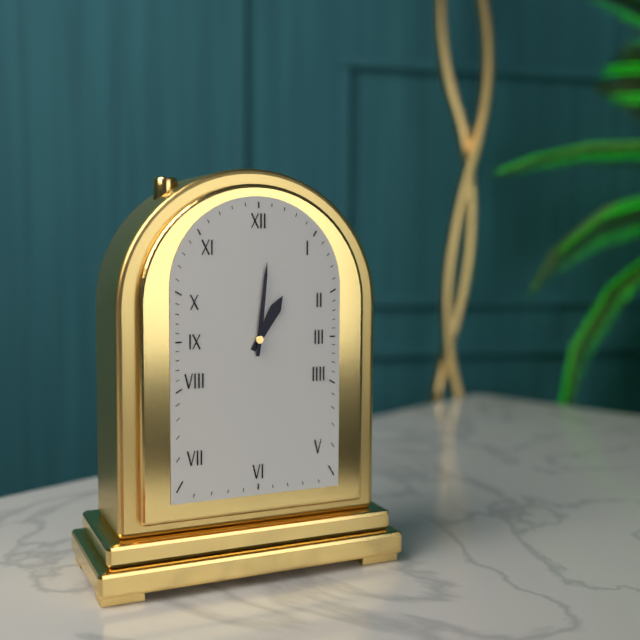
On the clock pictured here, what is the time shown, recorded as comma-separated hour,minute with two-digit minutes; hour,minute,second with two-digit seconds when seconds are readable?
1,01
